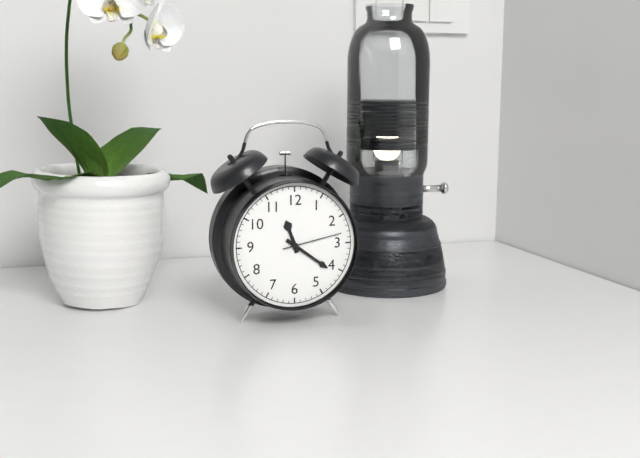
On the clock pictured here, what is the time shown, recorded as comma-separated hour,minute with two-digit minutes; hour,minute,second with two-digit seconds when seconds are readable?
11,21,13
